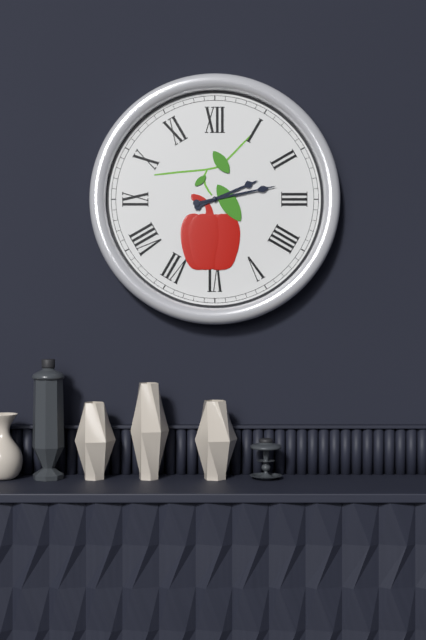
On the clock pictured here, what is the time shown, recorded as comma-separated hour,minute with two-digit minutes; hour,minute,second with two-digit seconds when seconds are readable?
2,13
